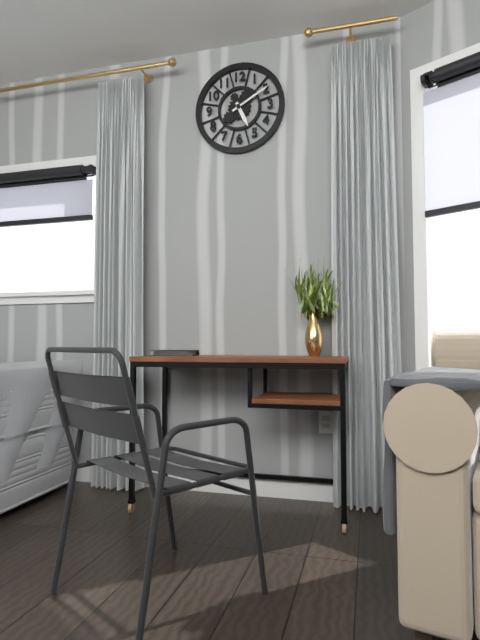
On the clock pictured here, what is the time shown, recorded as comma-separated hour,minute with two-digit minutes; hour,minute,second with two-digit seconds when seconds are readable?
5,10
